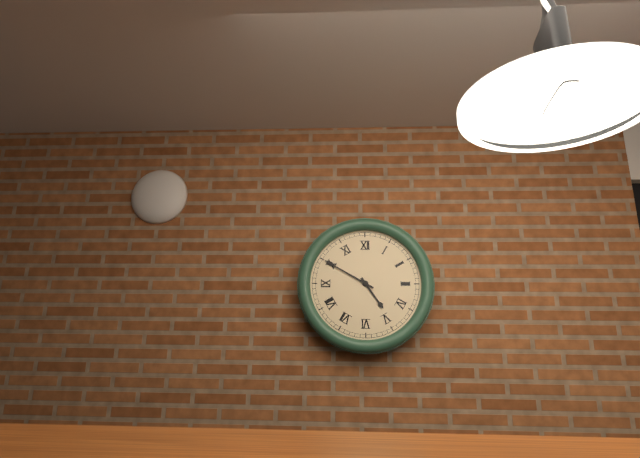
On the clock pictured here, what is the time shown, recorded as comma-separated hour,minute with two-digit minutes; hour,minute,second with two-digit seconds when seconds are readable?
4,50
